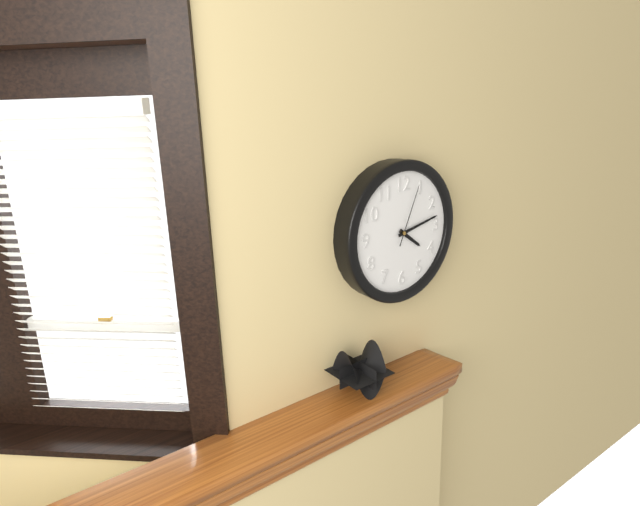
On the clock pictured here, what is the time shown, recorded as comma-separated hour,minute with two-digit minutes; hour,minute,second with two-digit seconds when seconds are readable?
4,13,04
